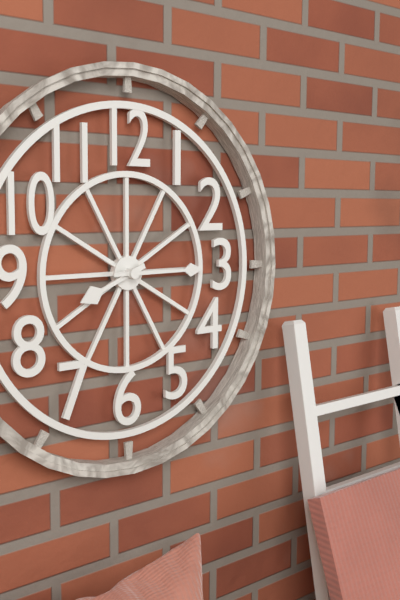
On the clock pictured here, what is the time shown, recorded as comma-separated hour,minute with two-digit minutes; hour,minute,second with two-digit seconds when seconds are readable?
8,15
